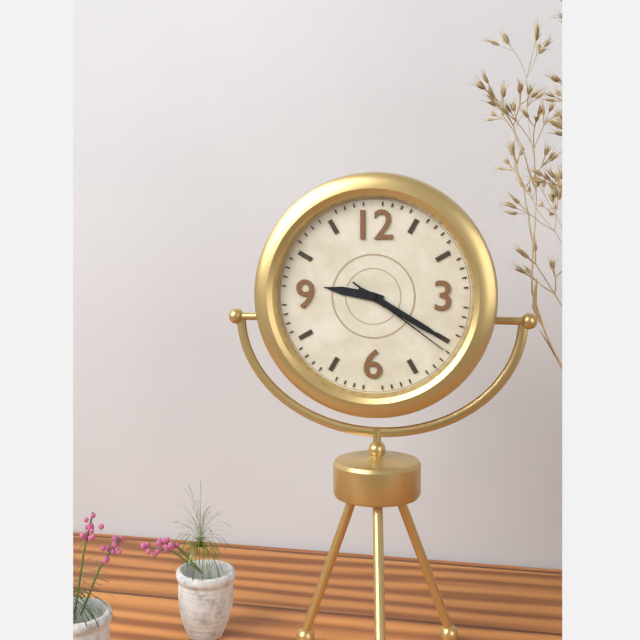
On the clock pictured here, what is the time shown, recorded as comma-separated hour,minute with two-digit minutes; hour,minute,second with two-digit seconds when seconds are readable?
9,20,21
